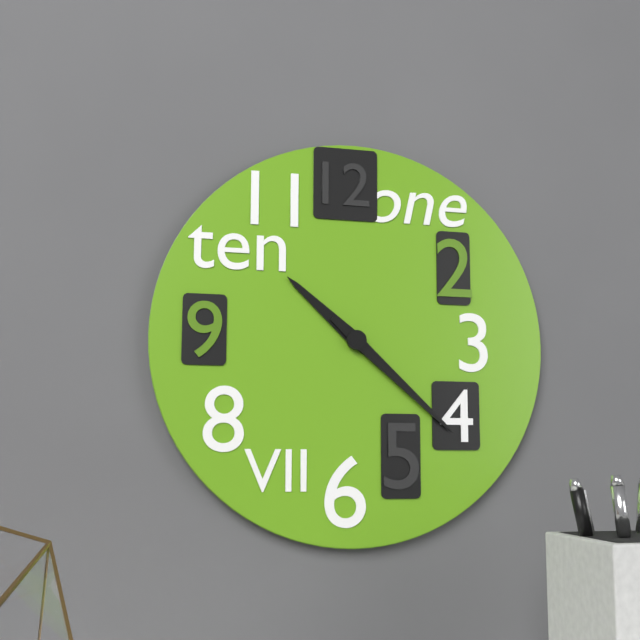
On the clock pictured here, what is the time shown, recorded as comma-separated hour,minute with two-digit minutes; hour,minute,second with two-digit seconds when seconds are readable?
10,22
